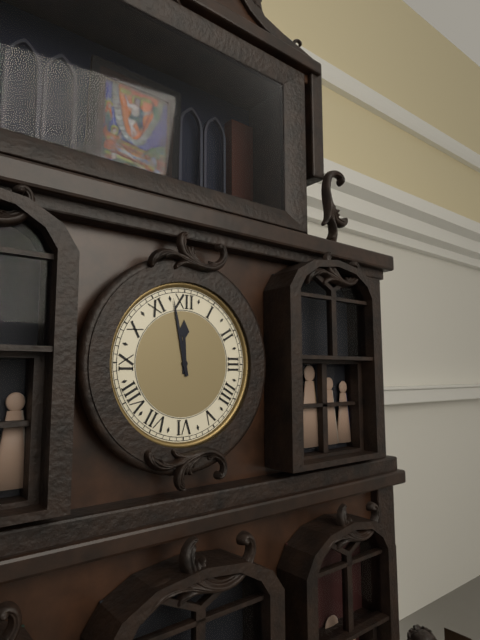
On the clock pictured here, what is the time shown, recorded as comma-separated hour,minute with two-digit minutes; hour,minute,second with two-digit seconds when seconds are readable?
11,58
